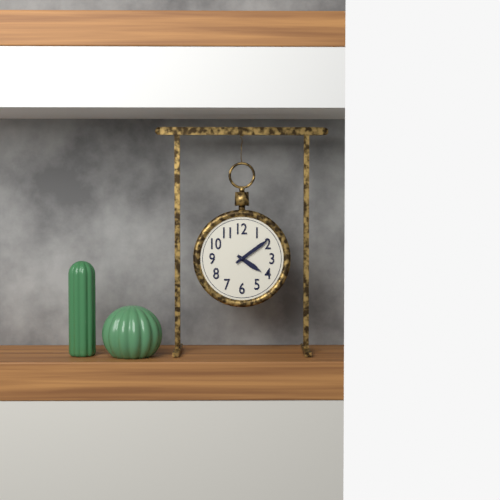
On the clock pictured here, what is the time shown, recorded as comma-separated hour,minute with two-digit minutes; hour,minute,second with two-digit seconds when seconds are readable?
4,09
